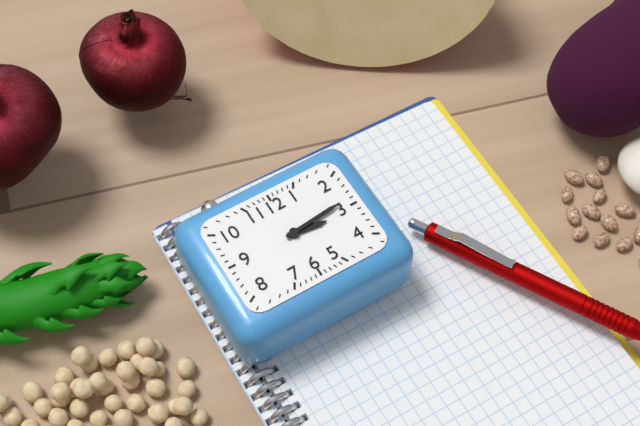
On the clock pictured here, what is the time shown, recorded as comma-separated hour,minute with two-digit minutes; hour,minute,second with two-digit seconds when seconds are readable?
3,14
